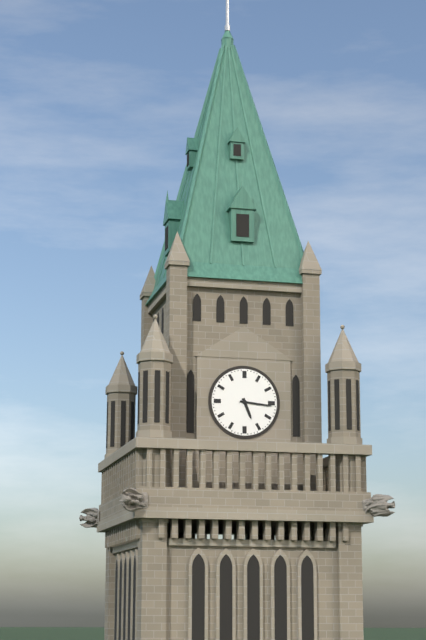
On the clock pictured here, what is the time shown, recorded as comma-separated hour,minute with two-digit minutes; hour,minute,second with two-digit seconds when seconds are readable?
5,16
